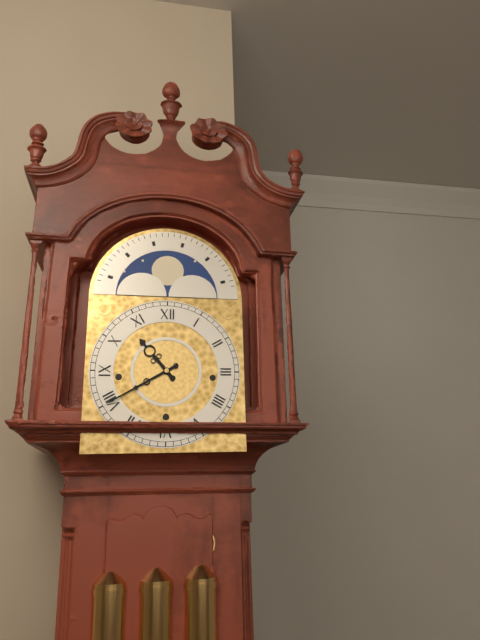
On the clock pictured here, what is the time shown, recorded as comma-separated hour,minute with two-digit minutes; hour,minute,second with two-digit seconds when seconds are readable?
10,40
